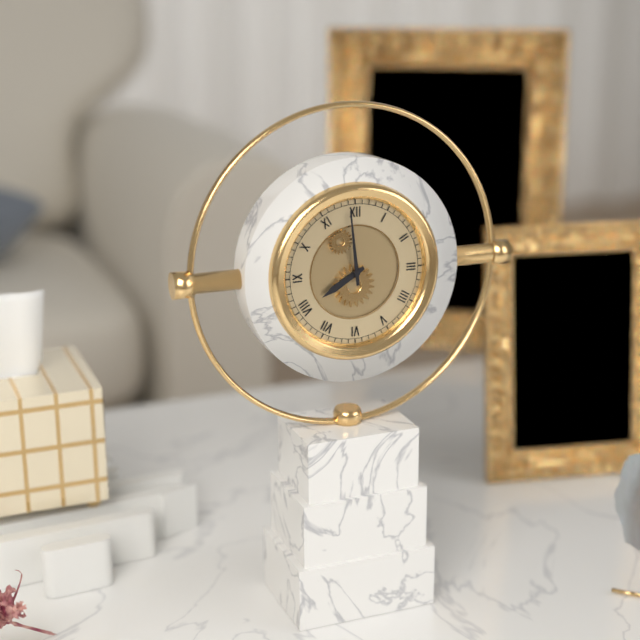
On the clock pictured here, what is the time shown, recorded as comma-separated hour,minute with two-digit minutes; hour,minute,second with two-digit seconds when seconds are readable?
7,59
